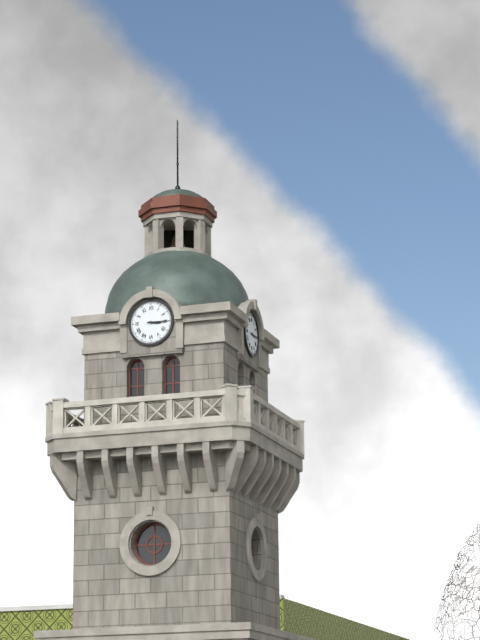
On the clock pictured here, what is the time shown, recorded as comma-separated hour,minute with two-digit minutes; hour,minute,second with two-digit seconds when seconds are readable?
3,15
